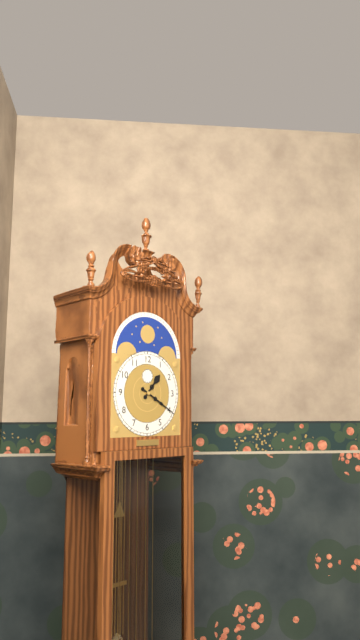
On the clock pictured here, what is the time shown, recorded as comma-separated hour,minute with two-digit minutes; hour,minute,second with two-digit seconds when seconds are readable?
1,20
